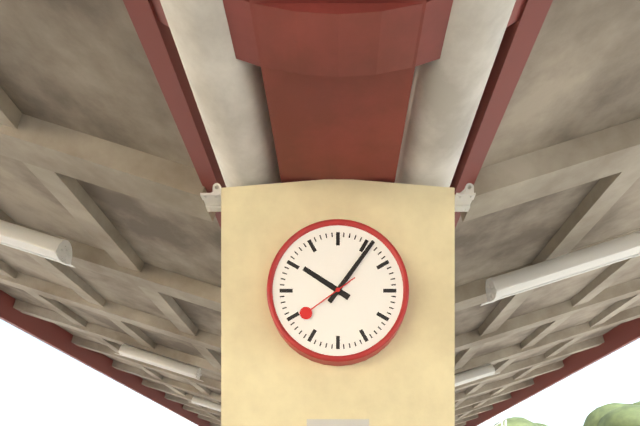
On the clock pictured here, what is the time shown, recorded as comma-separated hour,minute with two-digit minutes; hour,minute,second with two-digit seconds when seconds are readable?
10,06,39
